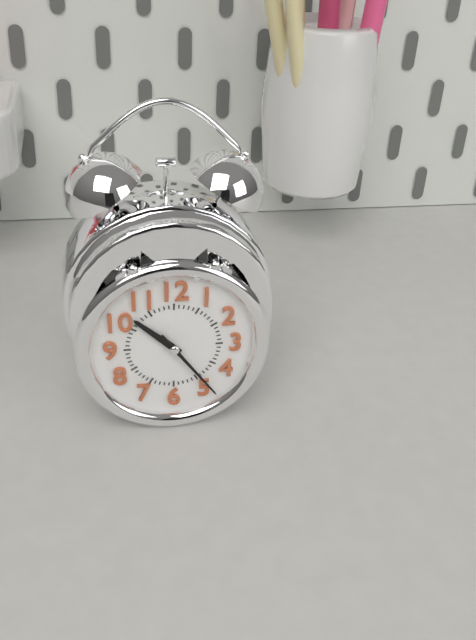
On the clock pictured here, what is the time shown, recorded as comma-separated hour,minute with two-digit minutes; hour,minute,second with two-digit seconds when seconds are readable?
10,24
